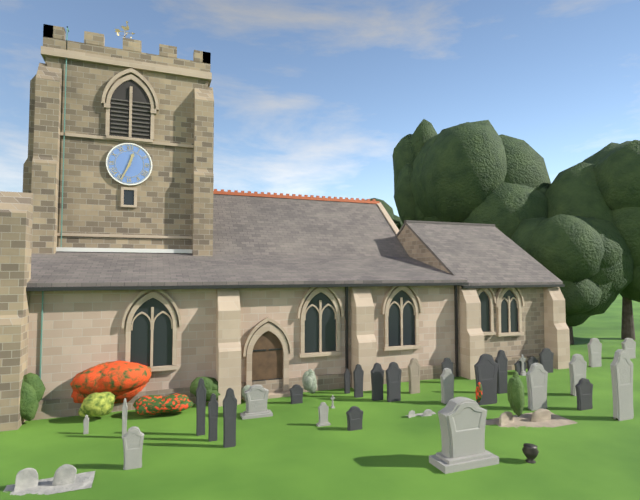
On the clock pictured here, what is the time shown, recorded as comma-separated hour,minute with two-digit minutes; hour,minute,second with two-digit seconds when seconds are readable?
12,34
